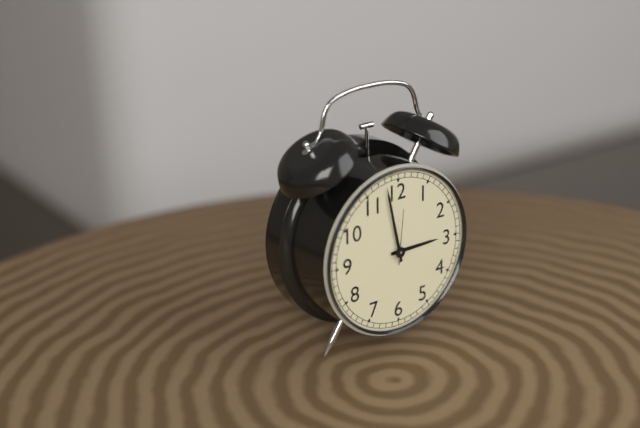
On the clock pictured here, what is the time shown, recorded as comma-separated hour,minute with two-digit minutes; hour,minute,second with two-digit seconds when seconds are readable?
2,58,01
